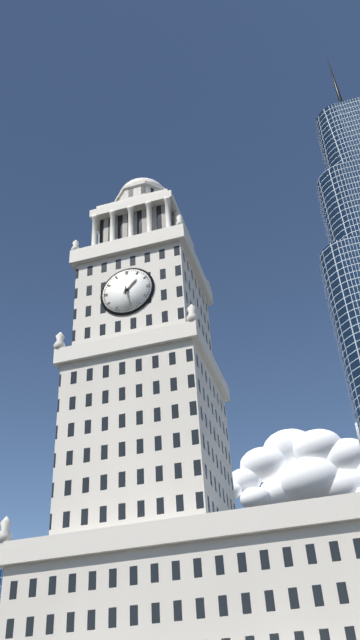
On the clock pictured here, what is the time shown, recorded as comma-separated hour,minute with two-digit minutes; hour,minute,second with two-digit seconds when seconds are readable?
1,28
